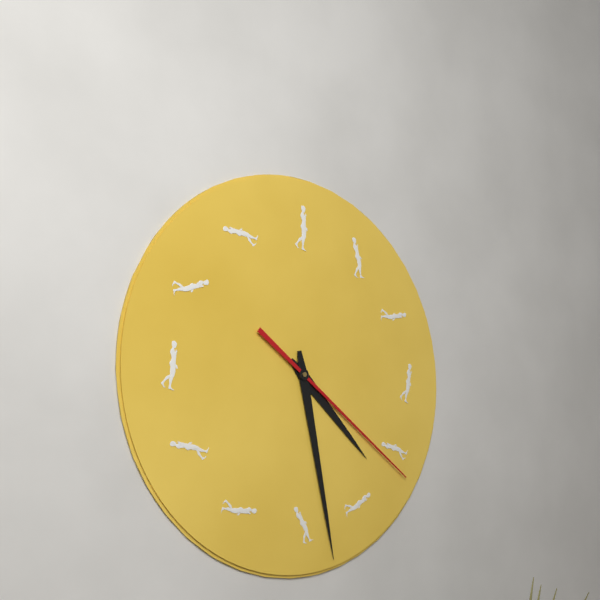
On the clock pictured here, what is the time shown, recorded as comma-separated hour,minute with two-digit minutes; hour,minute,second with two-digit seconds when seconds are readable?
4,28,21
